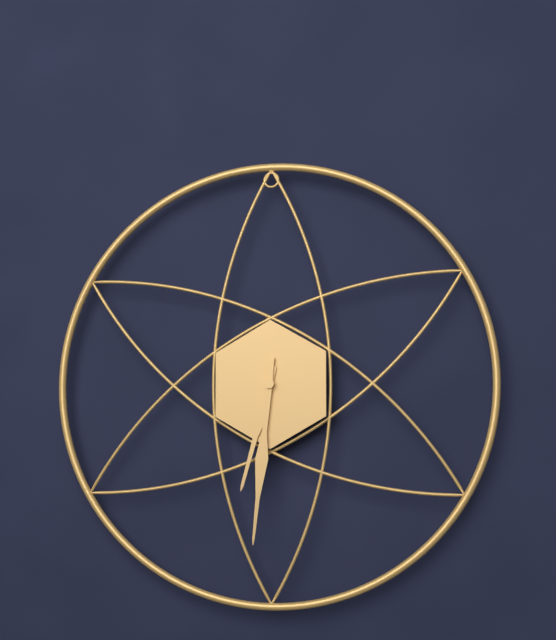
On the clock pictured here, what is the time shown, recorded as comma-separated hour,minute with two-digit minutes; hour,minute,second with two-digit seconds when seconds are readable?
6,31
